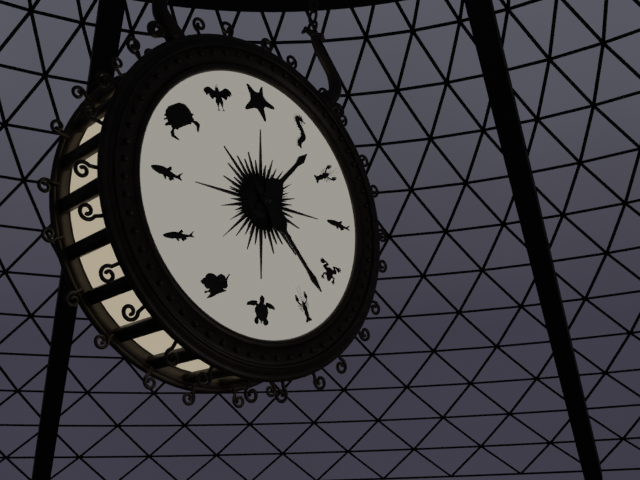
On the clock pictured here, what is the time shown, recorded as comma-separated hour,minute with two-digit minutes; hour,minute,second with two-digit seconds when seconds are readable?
1,23
